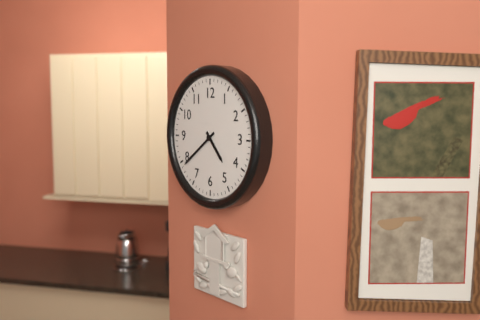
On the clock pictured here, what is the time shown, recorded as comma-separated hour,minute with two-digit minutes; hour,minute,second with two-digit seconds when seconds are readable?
4,39
